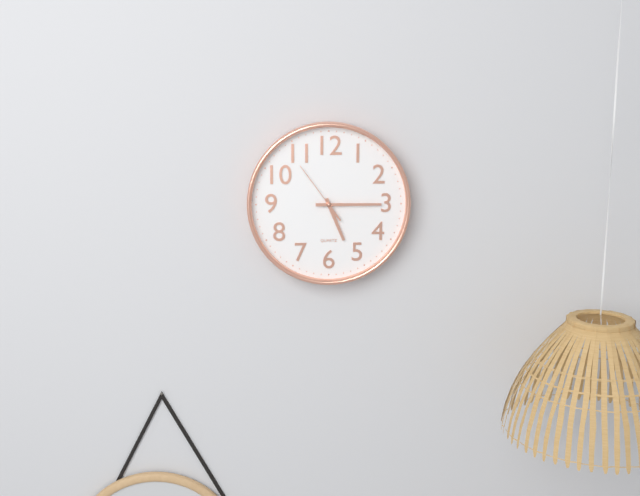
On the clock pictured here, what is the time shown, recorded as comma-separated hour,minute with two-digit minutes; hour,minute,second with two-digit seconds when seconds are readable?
5,15,54
